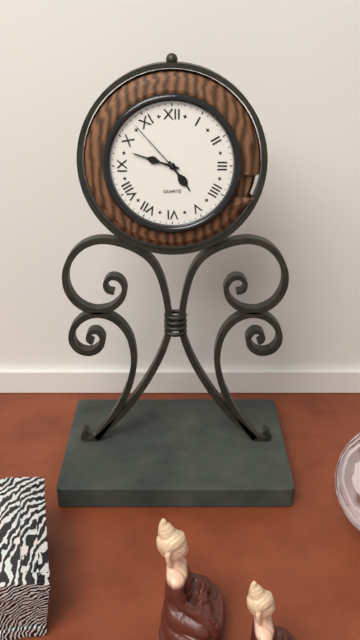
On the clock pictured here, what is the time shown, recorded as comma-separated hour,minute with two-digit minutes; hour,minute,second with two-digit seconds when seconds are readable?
4,48,53
